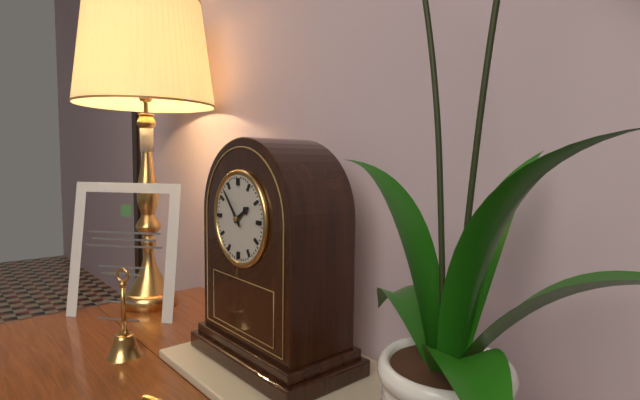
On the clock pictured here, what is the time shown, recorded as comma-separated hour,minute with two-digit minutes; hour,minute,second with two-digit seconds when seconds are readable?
1,53
